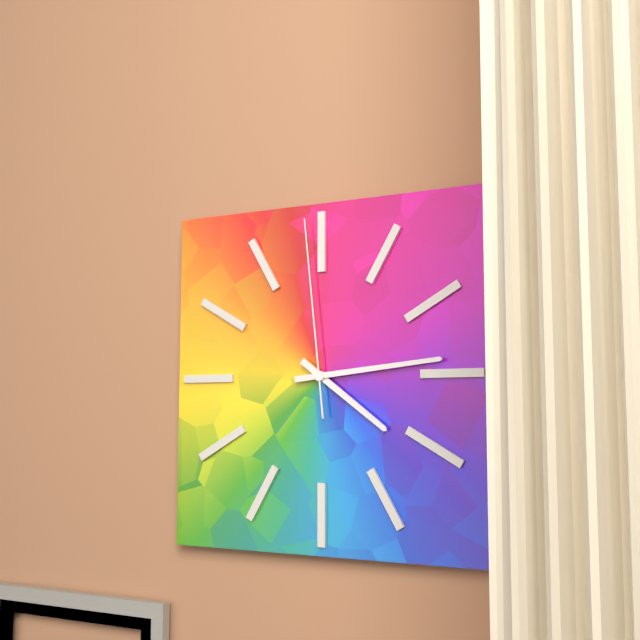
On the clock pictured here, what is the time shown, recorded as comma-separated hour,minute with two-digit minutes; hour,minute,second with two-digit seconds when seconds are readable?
4,14,59
